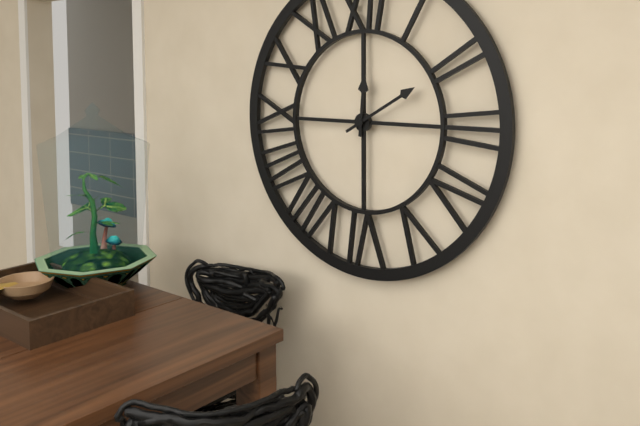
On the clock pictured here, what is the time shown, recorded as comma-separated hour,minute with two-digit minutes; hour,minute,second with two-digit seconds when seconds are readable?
12,10
